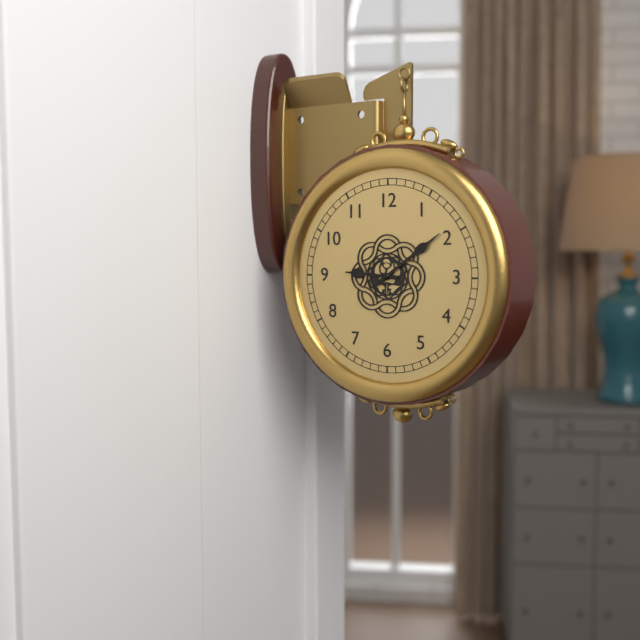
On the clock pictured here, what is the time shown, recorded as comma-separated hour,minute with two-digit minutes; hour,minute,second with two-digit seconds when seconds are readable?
9,09
